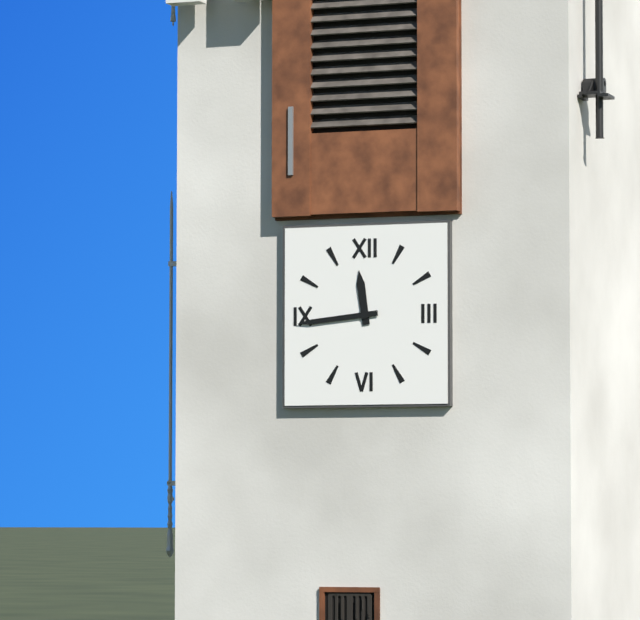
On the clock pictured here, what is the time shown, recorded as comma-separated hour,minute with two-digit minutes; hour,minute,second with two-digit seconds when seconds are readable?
11,44
